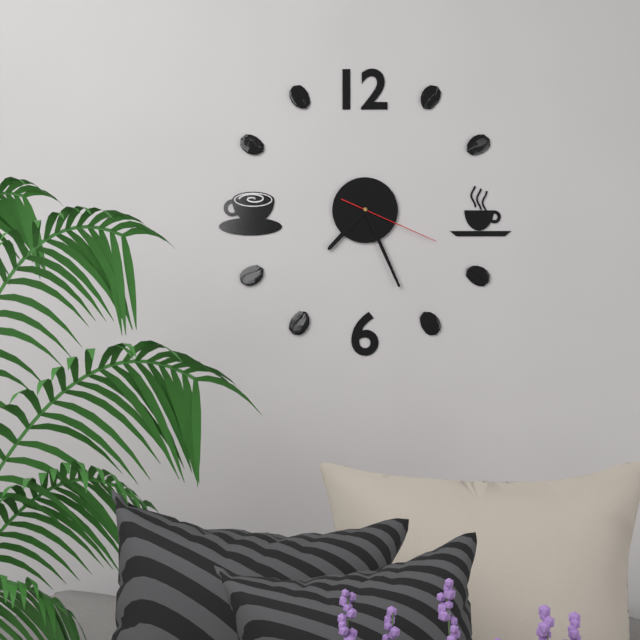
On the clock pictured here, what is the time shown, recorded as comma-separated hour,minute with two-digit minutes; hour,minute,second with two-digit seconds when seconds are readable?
7,26,19
